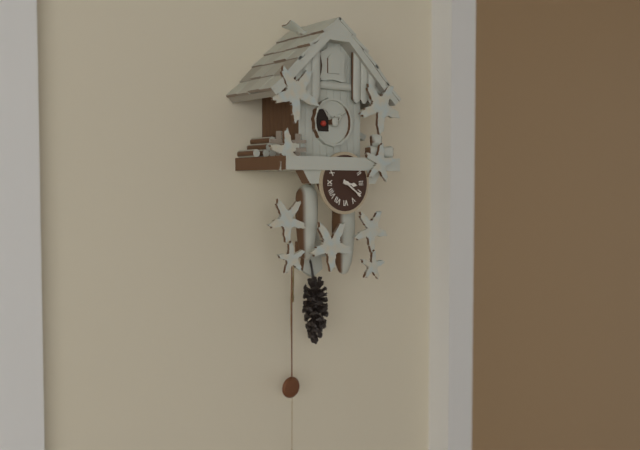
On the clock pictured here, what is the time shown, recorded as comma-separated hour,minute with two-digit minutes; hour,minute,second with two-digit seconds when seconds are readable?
3,21
